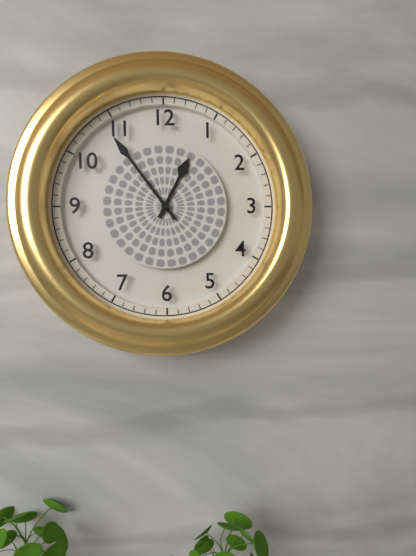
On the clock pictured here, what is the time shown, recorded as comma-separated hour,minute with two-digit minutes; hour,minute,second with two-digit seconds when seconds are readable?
12,54
